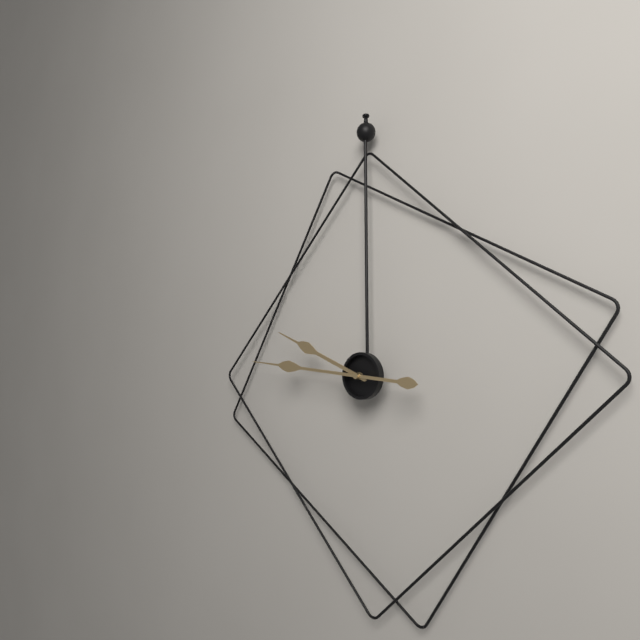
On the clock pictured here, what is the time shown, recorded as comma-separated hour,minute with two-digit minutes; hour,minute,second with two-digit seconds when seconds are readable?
9,46
